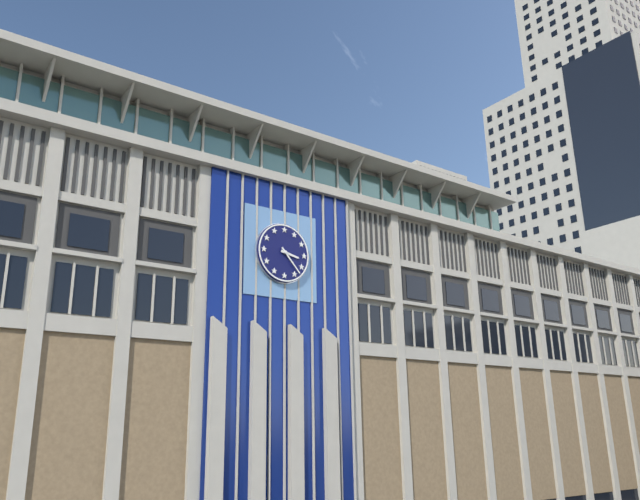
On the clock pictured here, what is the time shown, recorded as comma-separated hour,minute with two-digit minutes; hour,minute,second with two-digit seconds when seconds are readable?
3,23
